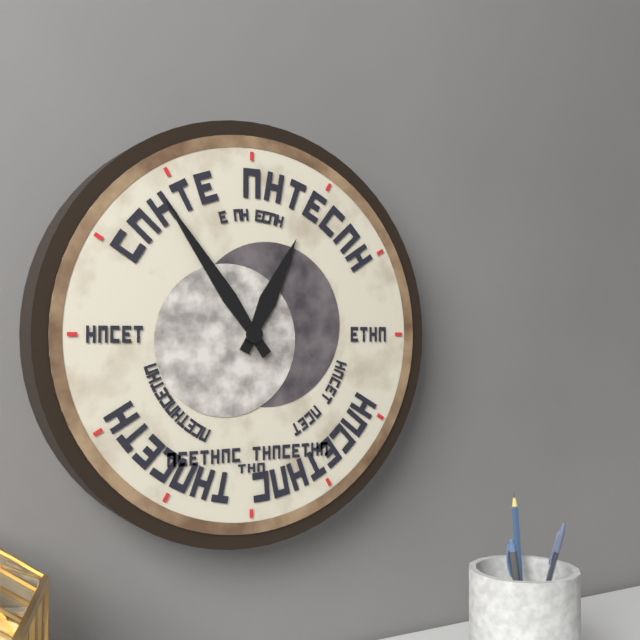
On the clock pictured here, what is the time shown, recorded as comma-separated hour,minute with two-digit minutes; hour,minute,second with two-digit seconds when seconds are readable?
12,54
